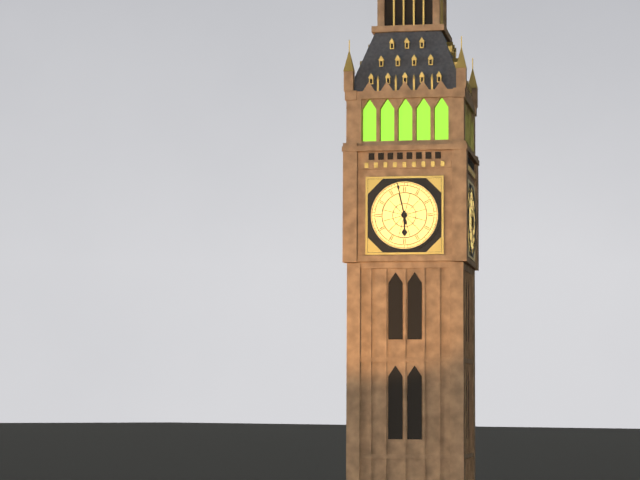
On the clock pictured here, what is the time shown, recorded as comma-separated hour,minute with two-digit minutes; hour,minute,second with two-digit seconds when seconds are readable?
5,58
